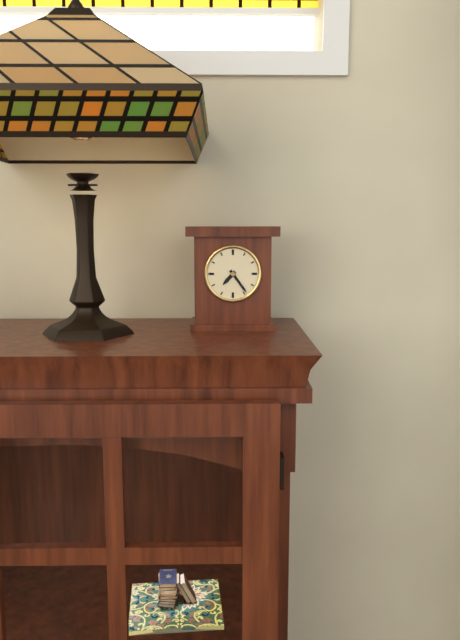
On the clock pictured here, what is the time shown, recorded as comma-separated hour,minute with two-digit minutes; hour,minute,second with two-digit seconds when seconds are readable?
7,24
